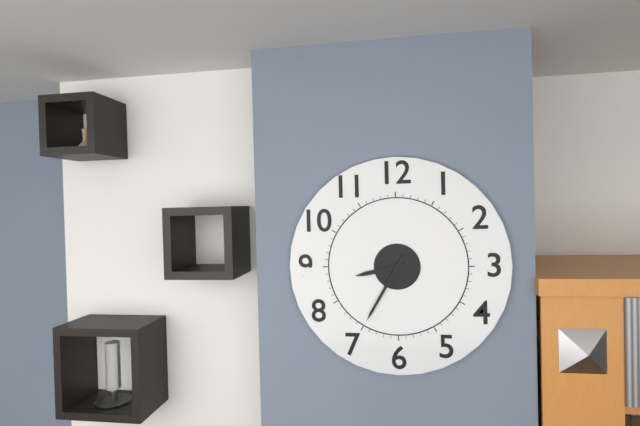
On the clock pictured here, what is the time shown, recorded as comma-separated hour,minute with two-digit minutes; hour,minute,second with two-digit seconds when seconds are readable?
8,35
